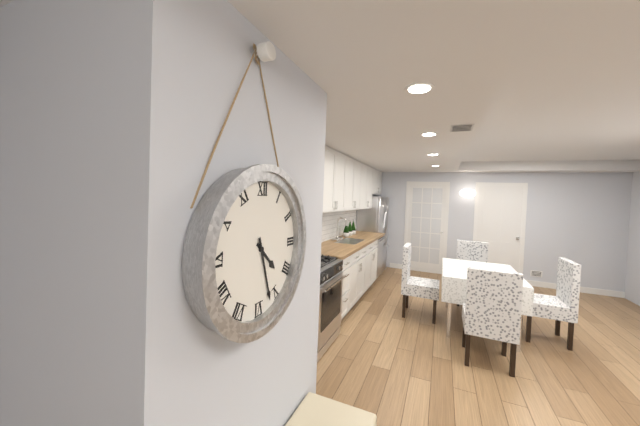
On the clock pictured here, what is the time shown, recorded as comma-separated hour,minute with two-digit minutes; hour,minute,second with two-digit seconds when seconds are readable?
4,27
